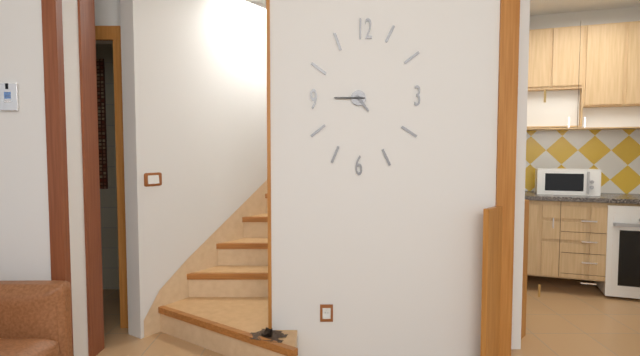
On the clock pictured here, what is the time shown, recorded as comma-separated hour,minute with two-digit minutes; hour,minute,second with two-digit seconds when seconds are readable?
4,45
